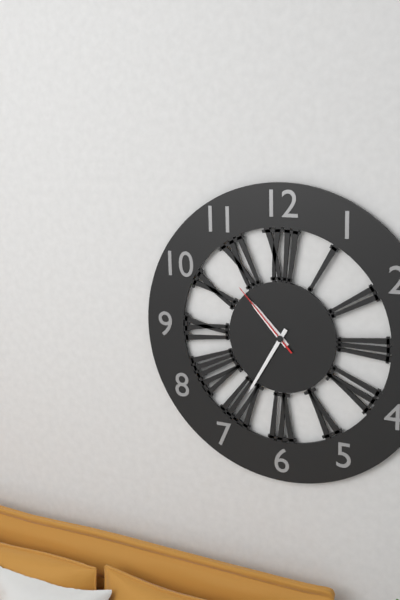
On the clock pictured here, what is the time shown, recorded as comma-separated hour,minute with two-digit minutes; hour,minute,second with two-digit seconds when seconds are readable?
10,35,53
